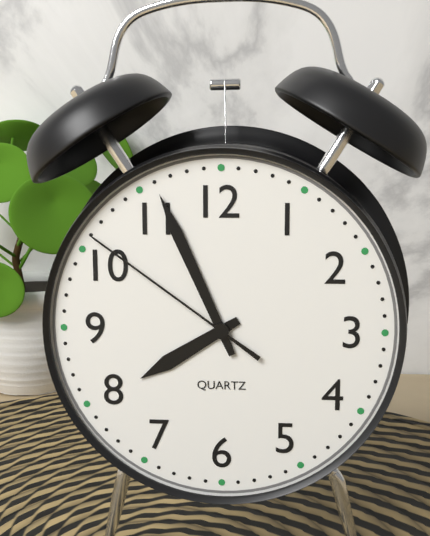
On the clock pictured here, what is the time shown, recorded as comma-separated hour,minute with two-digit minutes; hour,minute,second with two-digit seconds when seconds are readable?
7,56,51
